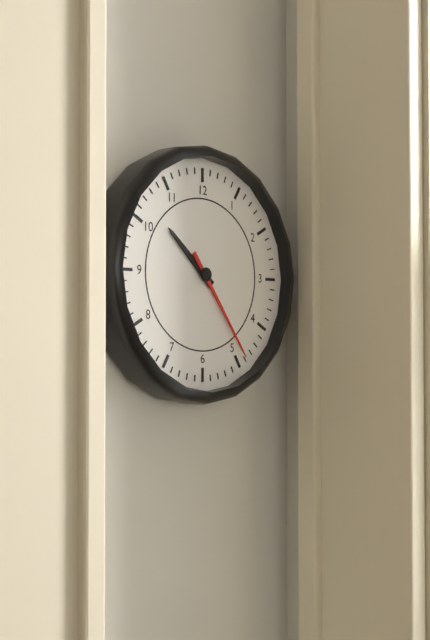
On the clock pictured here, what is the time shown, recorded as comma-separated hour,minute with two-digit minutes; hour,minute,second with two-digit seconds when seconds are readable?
10,24
